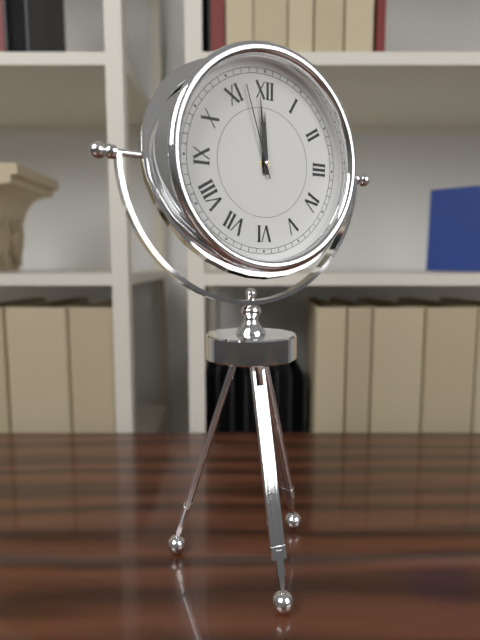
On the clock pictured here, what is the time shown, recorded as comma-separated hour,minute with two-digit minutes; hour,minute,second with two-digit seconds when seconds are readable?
11,59,57
